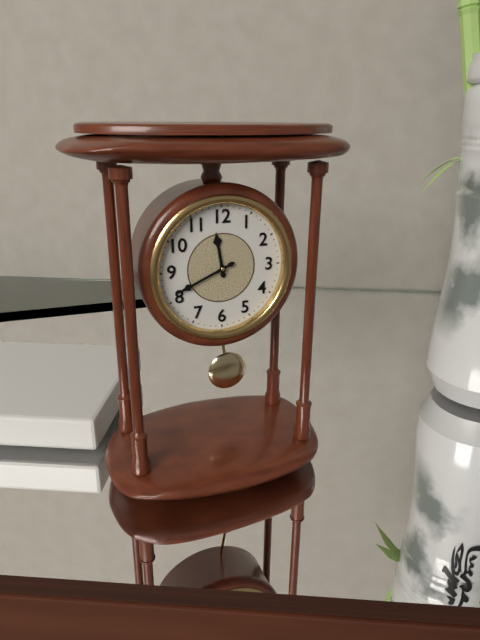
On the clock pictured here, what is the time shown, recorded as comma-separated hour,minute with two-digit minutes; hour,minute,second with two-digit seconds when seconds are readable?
11,41
